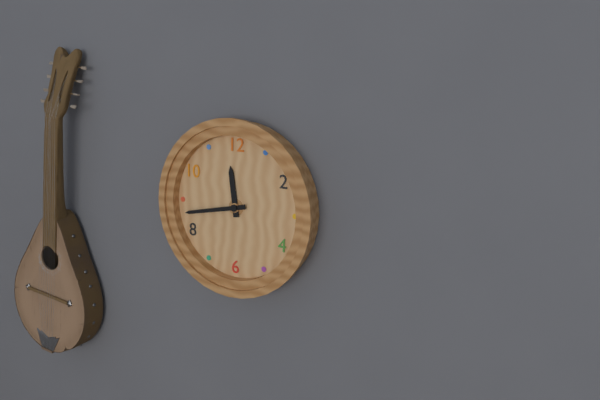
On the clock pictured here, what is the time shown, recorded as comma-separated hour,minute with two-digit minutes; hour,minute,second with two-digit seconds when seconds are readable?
11,43
